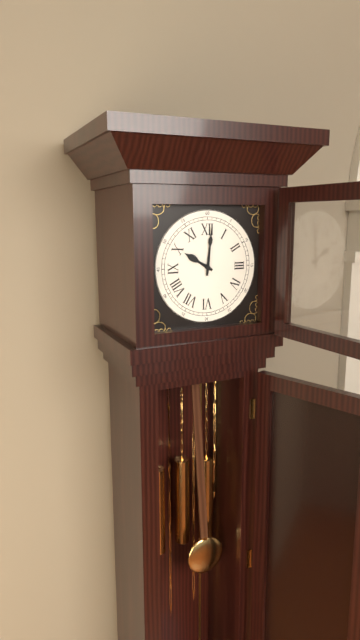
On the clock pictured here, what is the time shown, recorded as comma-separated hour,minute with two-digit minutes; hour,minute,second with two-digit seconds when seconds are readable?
10,01
